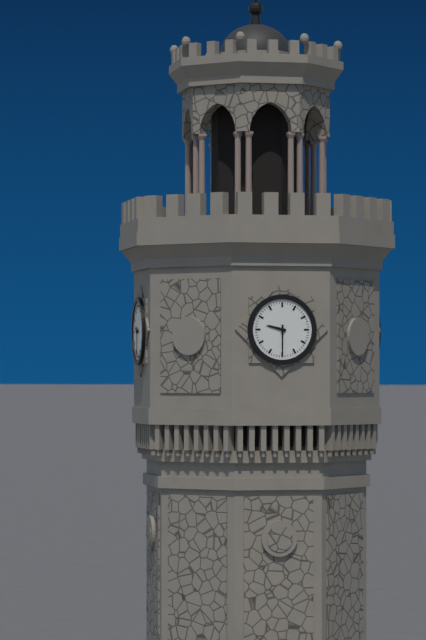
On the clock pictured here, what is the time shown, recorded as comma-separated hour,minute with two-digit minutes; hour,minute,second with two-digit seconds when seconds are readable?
9,30
